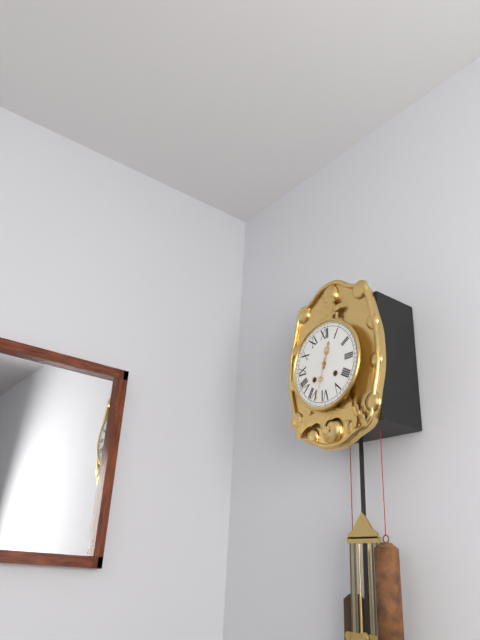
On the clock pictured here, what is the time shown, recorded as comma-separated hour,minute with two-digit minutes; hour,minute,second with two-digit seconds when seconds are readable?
12,33
